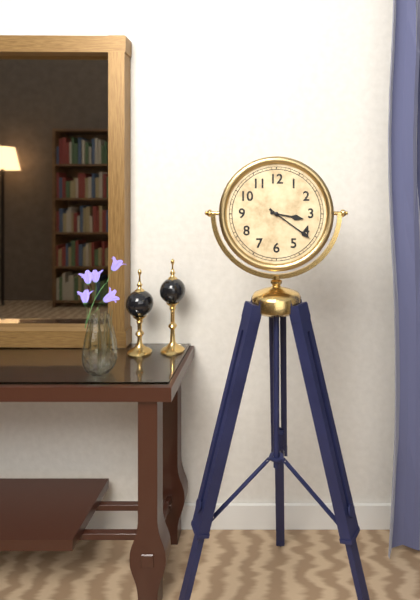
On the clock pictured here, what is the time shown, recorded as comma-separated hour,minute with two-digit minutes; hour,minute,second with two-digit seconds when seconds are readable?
3,21
